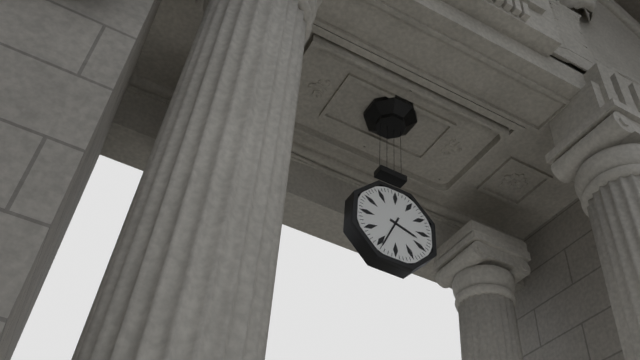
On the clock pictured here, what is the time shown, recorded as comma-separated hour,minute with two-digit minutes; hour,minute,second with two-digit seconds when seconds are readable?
3,34
